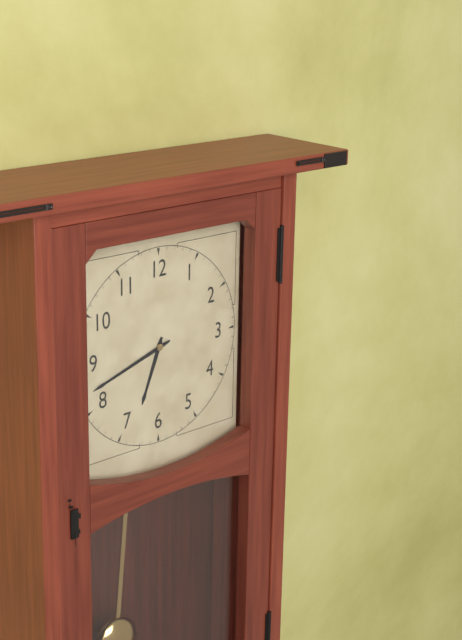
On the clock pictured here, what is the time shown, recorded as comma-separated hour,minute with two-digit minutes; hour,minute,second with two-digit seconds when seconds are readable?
6,42
